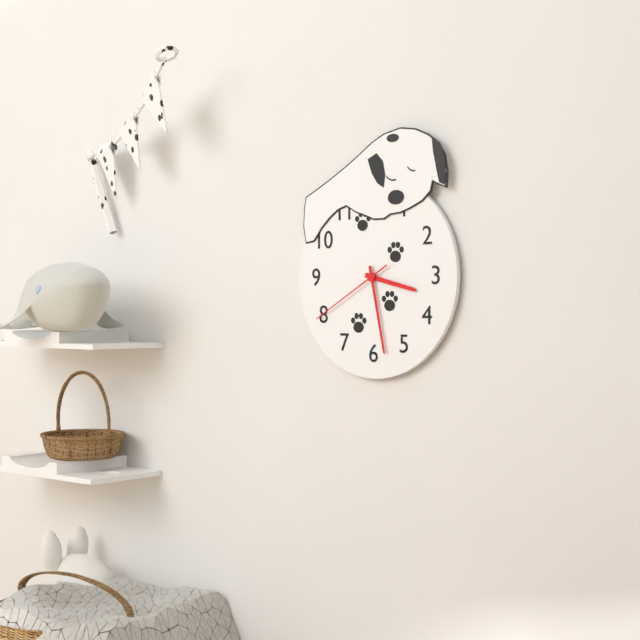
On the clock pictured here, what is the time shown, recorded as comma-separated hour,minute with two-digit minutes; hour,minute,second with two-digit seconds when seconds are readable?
3,28,40
